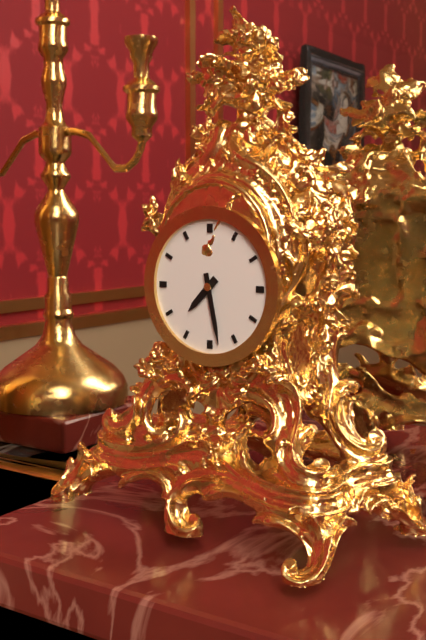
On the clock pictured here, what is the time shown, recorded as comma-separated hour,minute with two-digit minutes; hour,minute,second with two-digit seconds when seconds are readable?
7,28
